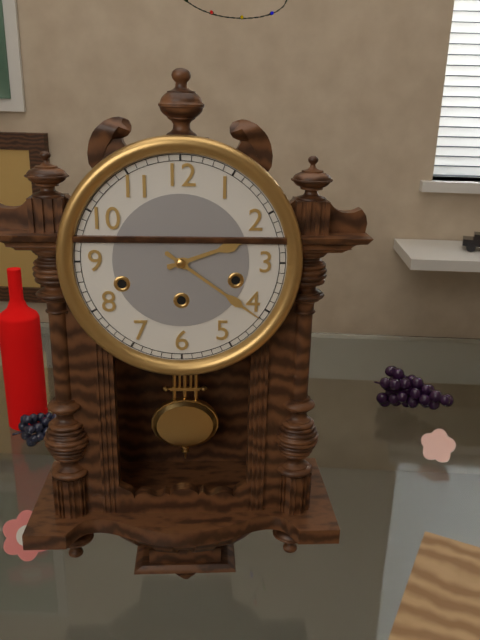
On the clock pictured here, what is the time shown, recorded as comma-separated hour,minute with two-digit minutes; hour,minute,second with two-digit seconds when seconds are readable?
2,21
